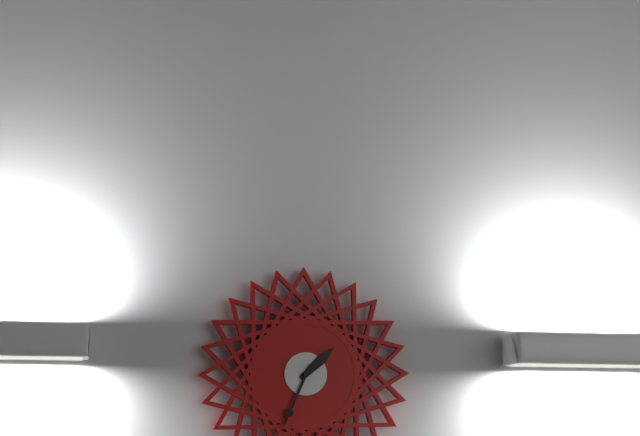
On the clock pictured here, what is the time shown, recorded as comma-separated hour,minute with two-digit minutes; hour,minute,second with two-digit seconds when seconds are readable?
1,34
